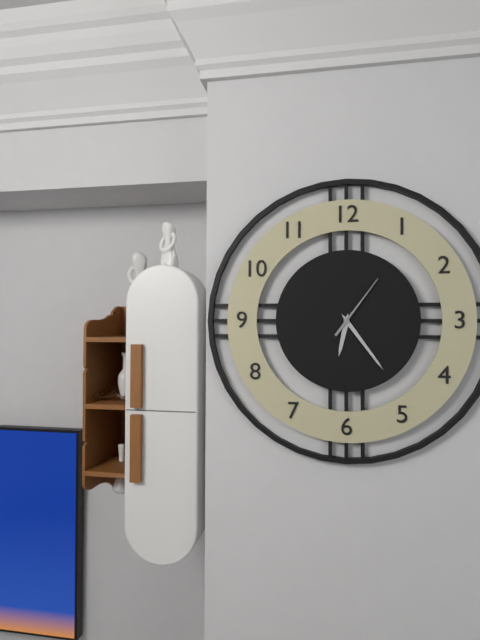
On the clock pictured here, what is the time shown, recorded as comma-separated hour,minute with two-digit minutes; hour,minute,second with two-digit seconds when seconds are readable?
6,24,06
